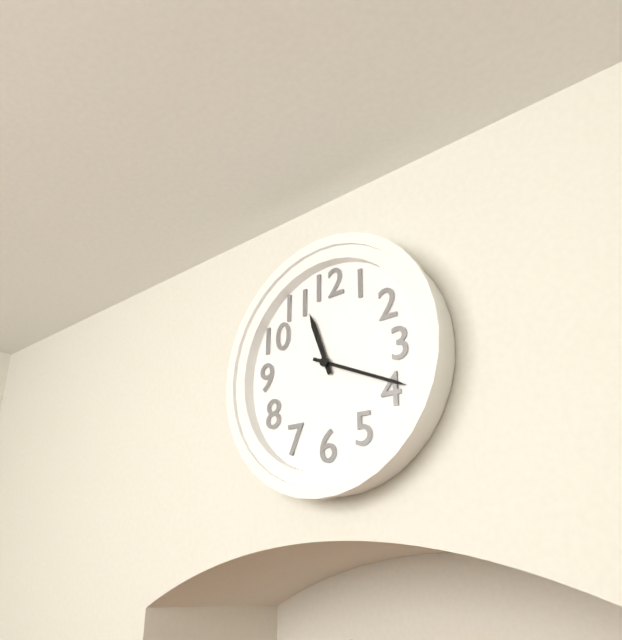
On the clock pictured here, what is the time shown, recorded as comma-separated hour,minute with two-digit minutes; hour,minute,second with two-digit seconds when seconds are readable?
11,19
